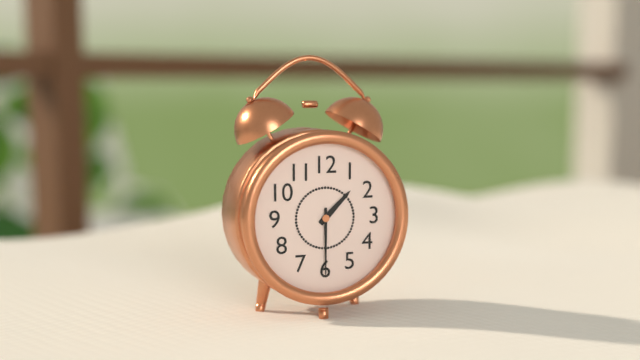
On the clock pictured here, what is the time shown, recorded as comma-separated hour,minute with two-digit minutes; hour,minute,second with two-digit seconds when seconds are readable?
1,30
